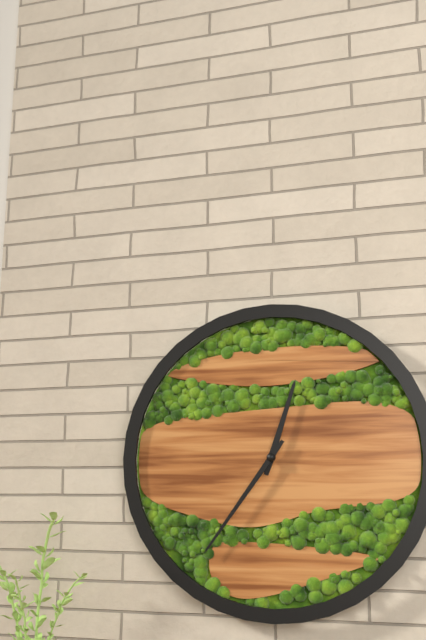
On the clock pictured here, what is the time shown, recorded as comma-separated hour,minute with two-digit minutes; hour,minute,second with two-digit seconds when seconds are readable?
12,36
